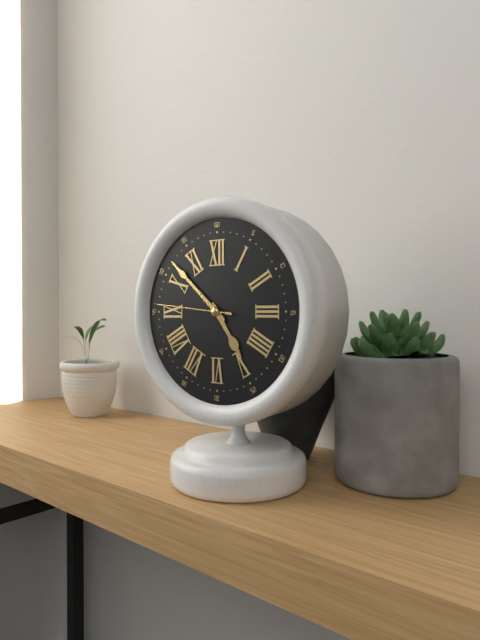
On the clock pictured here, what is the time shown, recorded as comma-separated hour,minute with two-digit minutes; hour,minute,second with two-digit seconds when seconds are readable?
4,52,46
